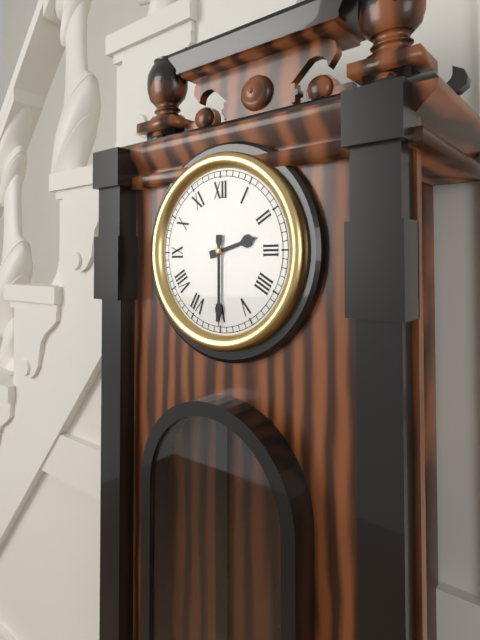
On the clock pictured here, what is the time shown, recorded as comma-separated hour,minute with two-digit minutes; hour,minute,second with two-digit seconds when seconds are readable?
2,30
